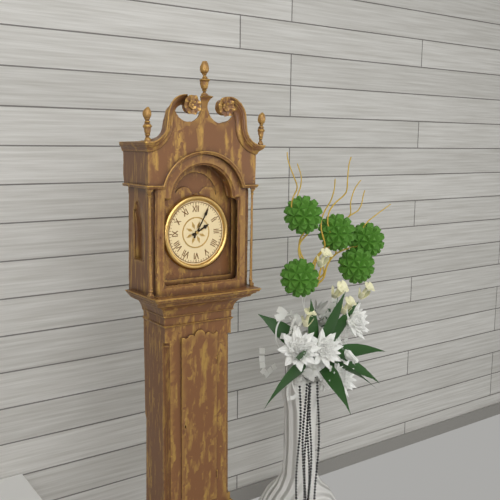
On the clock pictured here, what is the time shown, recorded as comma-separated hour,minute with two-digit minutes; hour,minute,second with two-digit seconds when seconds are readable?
2,05
